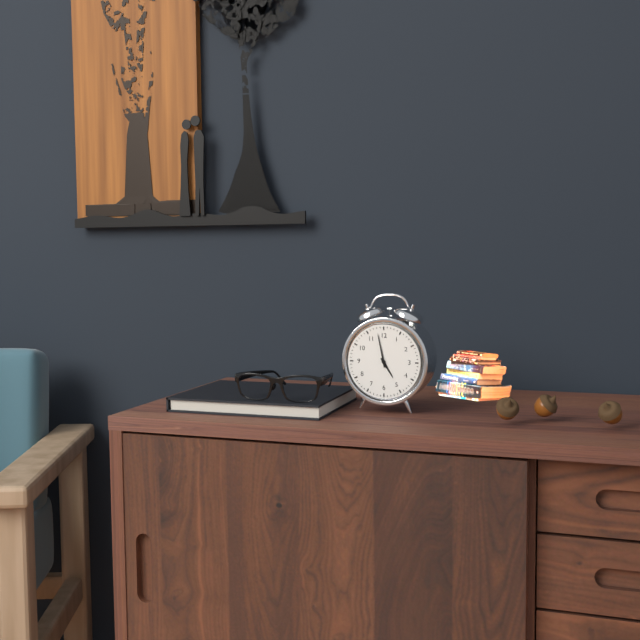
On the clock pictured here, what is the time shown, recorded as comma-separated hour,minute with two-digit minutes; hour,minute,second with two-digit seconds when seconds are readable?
4,58
